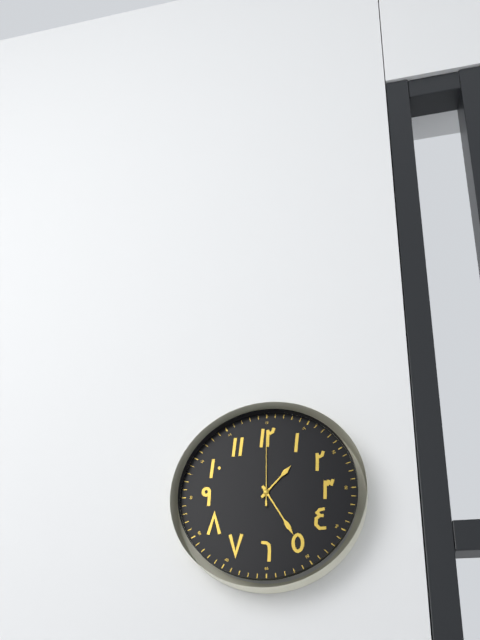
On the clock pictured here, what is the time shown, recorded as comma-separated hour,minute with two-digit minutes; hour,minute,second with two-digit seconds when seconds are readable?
1,25,00
